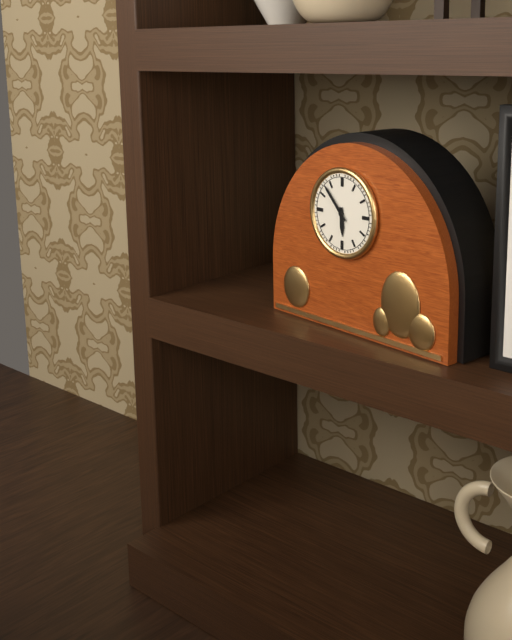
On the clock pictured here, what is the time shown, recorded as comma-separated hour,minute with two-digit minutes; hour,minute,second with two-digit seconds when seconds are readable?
5,53
